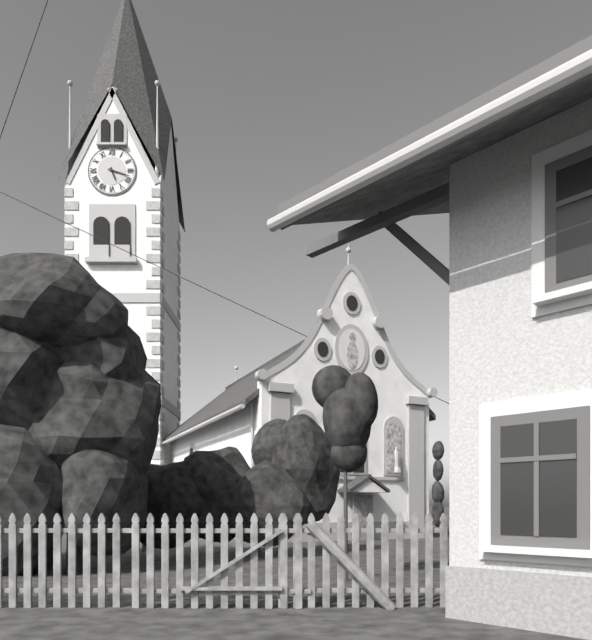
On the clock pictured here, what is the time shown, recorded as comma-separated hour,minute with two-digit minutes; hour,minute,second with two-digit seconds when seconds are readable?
5,18
